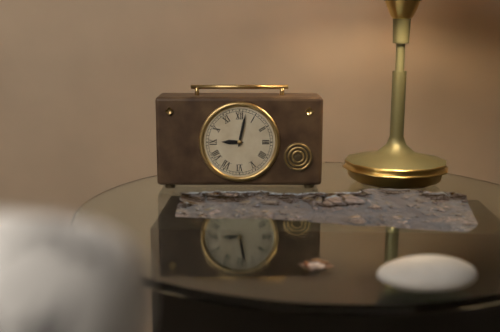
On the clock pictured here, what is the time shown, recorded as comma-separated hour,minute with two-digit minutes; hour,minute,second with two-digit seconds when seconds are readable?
9,02
